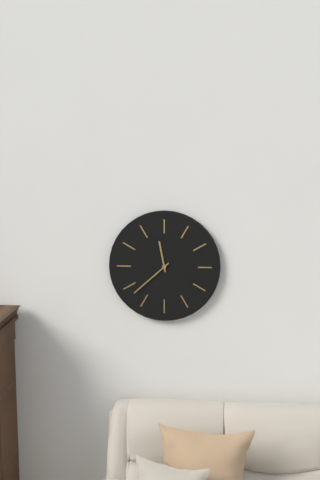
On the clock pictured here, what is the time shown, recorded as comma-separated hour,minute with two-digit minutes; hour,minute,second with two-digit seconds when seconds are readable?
11,38
